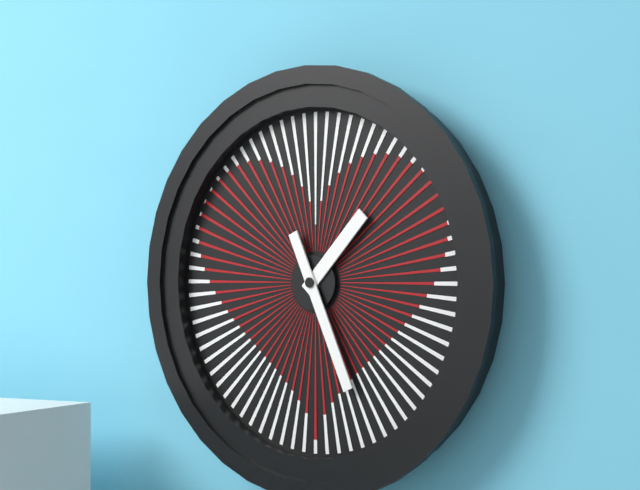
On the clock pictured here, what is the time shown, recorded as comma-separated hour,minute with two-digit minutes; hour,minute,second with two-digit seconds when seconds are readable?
1,26
